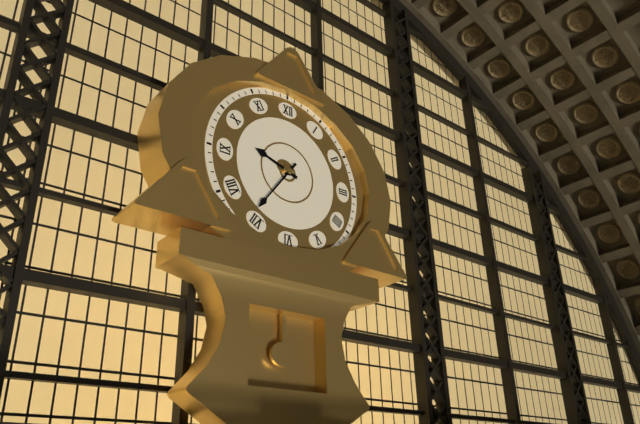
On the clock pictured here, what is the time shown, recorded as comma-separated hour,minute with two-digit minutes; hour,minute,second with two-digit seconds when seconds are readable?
9,36
